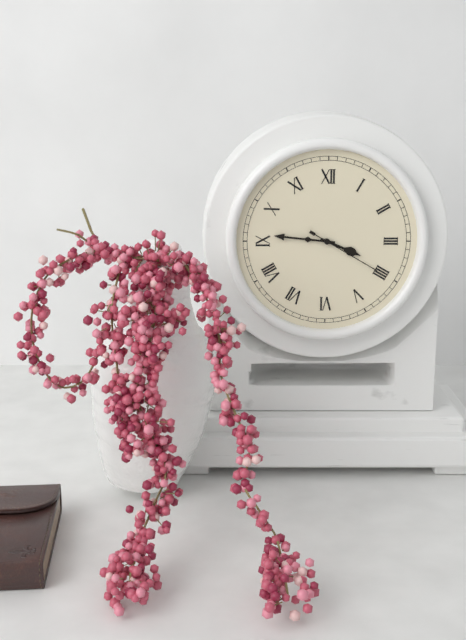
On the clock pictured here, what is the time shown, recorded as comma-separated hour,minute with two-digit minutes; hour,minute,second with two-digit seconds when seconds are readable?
3,46,20
